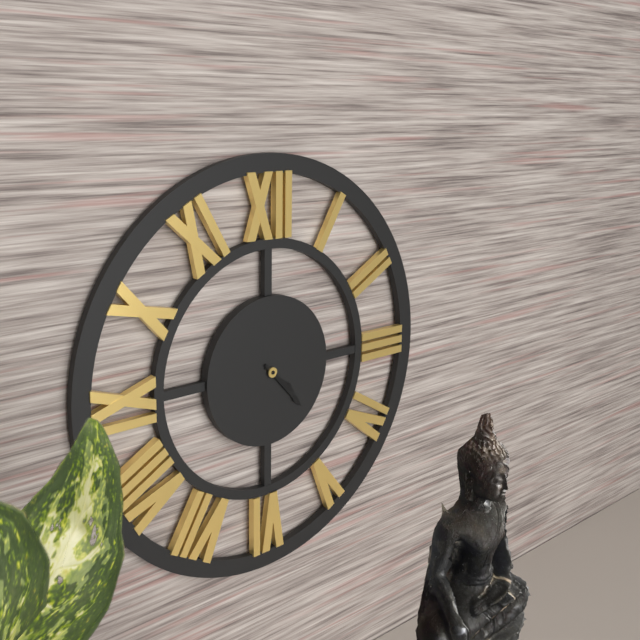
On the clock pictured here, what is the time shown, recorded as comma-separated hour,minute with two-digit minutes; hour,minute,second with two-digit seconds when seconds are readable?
4,23
